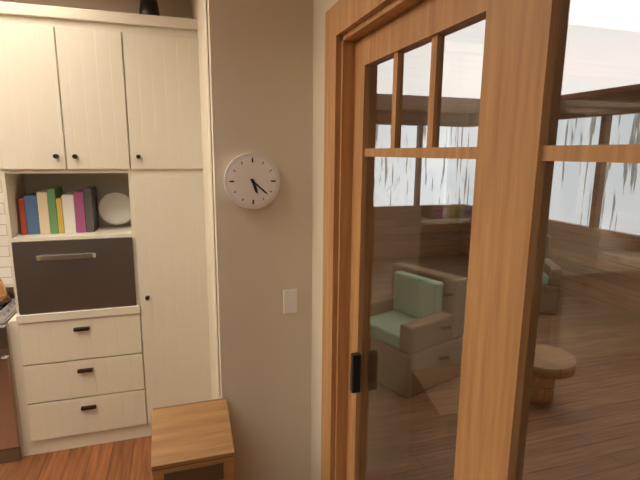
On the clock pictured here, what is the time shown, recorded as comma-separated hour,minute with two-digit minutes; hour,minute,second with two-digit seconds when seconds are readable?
5,22
